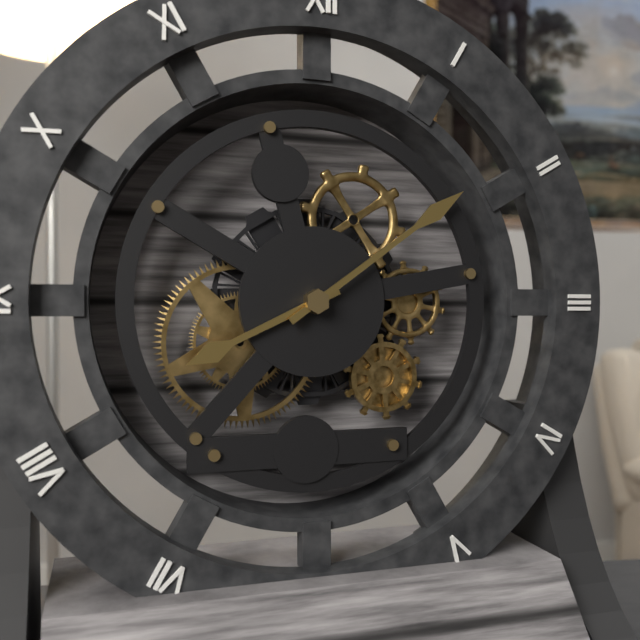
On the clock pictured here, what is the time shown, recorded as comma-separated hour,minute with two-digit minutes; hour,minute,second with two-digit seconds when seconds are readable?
8,09
